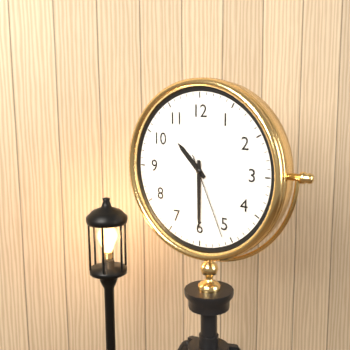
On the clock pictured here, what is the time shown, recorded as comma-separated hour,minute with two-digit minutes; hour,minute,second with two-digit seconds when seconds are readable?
10,30,26
